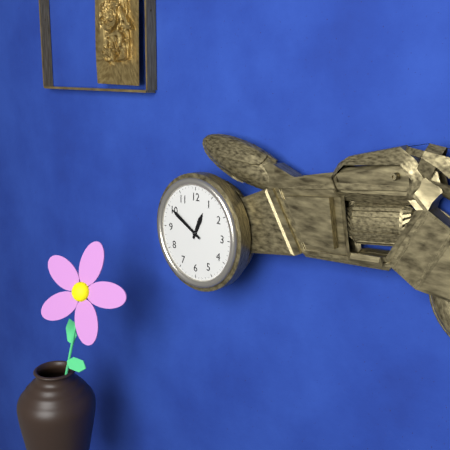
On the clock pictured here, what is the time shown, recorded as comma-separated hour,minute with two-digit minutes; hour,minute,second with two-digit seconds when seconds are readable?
12,50
